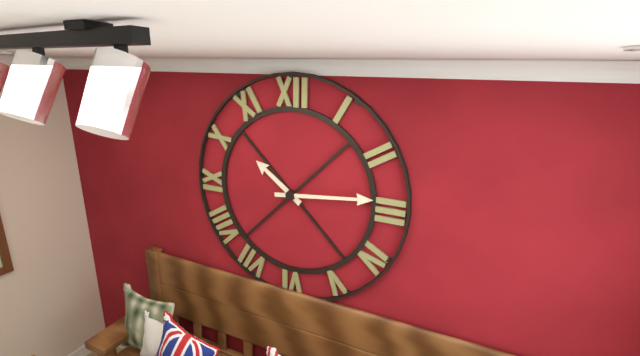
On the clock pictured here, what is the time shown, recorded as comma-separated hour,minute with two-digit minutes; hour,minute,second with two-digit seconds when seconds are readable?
10,14
